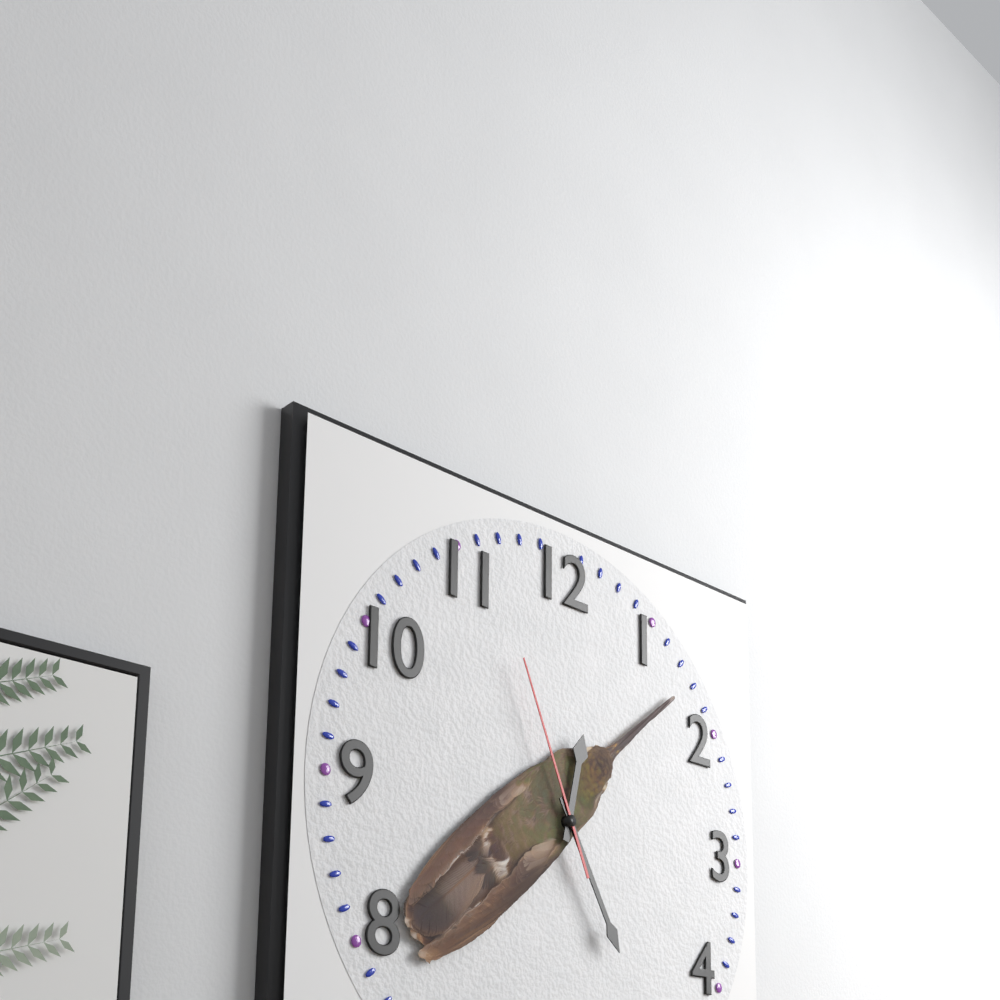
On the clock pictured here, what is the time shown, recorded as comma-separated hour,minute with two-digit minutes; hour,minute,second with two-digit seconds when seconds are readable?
12,25,56
